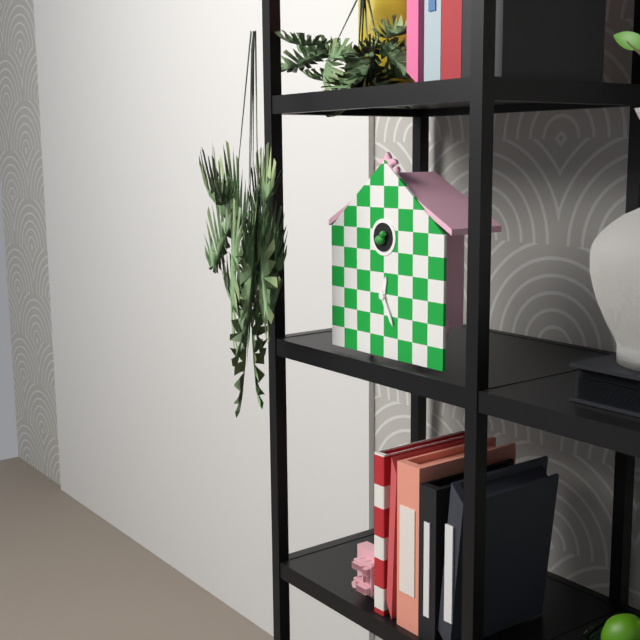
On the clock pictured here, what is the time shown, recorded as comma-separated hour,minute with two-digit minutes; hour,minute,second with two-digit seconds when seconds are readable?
12,25
